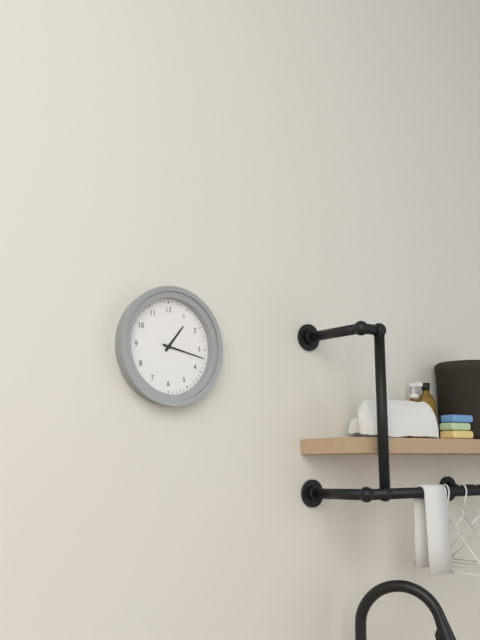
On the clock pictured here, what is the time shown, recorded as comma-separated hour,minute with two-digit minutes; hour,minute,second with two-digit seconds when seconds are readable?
1,17
